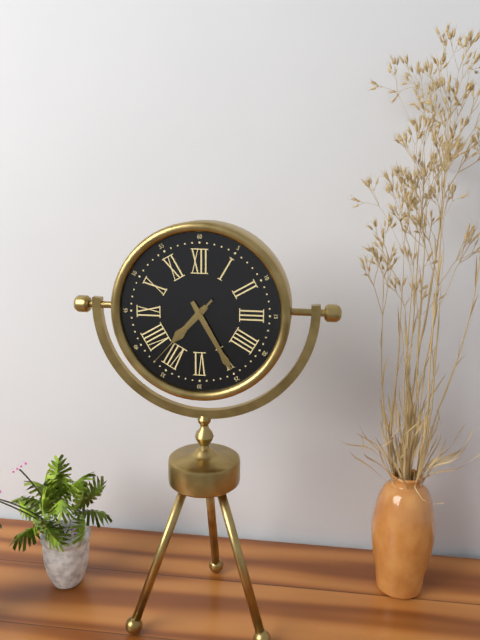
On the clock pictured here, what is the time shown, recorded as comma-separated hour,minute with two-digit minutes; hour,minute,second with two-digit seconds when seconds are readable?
7,25,37
